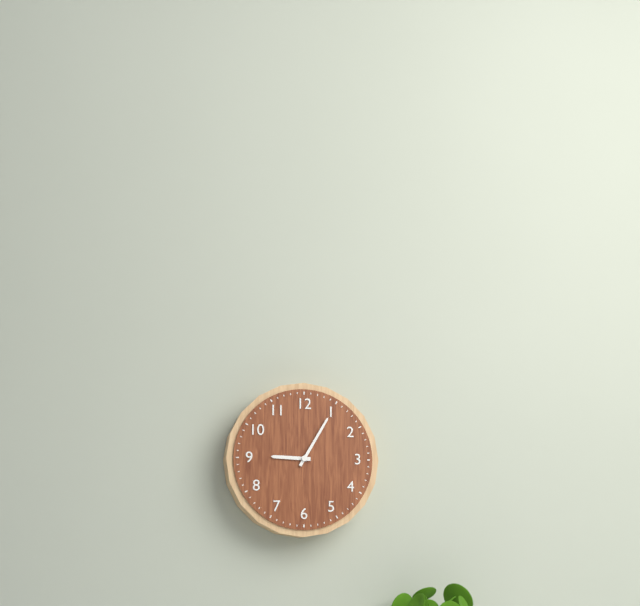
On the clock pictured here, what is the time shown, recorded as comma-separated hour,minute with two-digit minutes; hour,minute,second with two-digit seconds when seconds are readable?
9,05
